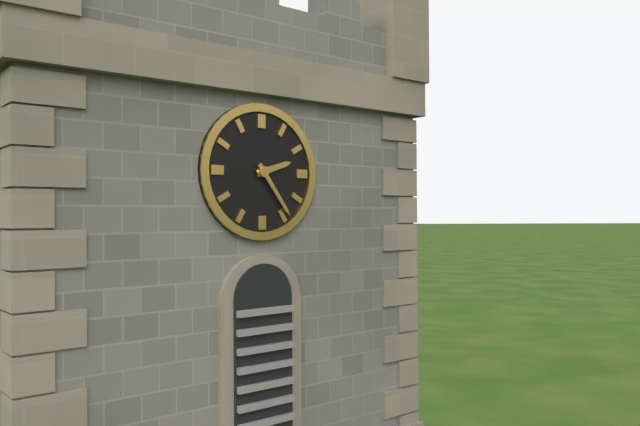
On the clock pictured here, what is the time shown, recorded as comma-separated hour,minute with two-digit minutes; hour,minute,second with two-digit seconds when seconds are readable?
2,24
